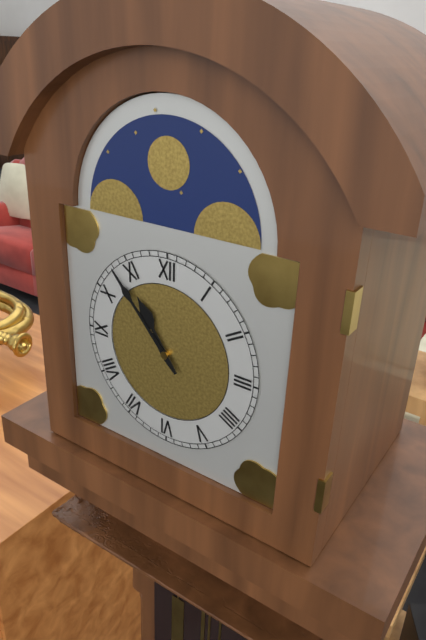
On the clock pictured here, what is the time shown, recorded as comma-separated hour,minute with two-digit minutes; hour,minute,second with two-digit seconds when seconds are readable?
10,53
